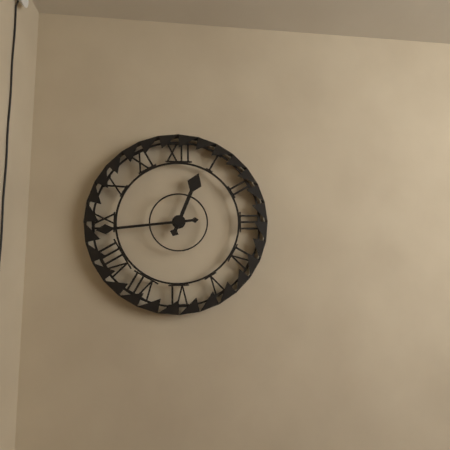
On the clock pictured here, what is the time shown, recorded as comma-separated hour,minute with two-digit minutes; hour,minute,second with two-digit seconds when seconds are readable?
12,44
